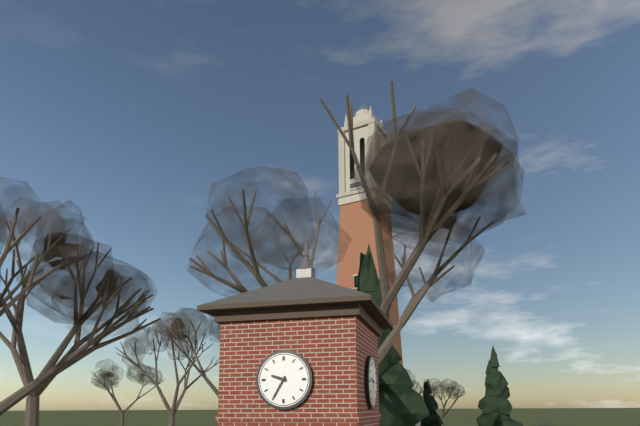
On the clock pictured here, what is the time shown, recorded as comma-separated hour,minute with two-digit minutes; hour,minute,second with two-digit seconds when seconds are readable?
9,35
